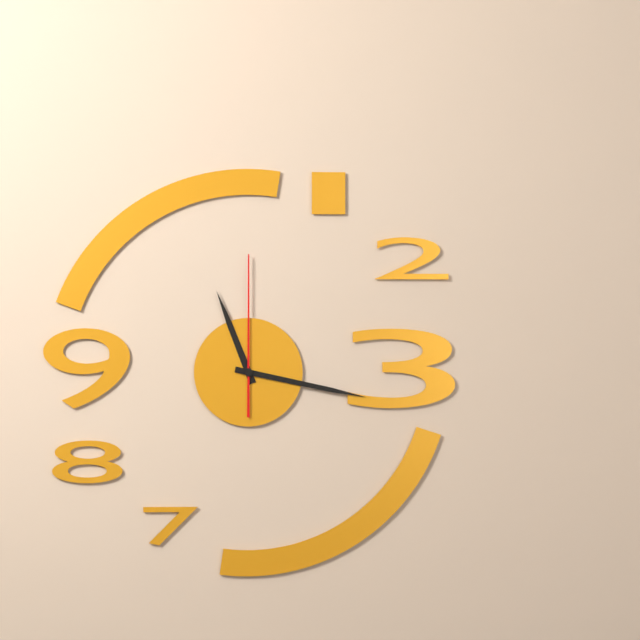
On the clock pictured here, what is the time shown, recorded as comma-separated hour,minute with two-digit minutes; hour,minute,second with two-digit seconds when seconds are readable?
11,17,00
